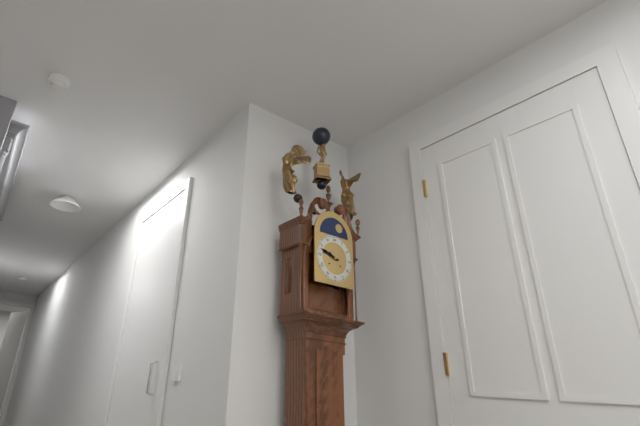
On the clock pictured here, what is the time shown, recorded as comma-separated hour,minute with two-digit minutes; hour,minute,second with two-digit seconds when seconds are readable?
9,48
